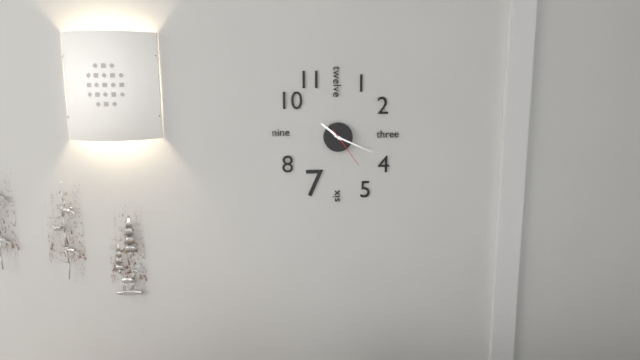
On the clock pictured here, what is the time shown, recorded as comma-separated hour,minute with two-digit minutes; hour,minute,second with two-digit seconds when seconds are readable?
10,19
